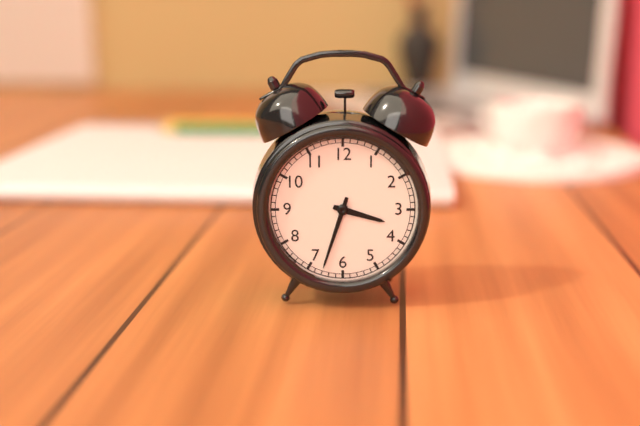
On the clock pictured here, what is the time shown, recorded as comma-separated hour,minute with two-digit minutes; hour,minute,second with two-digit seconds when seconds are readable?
3,33
